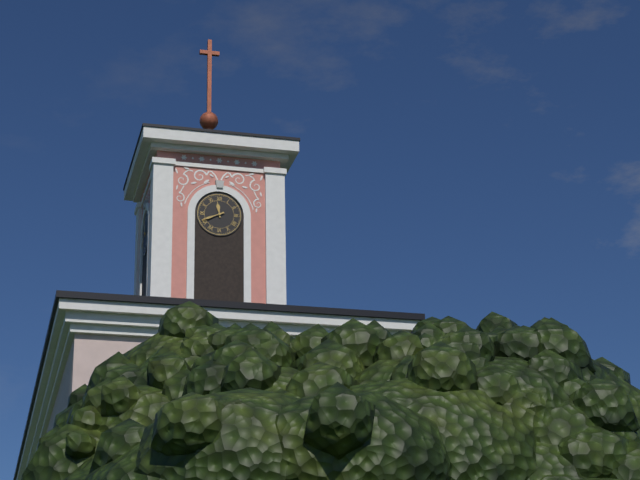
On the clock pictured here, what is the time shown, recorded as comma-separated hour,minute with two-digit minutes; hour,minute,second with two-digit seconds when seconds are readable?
11,41
